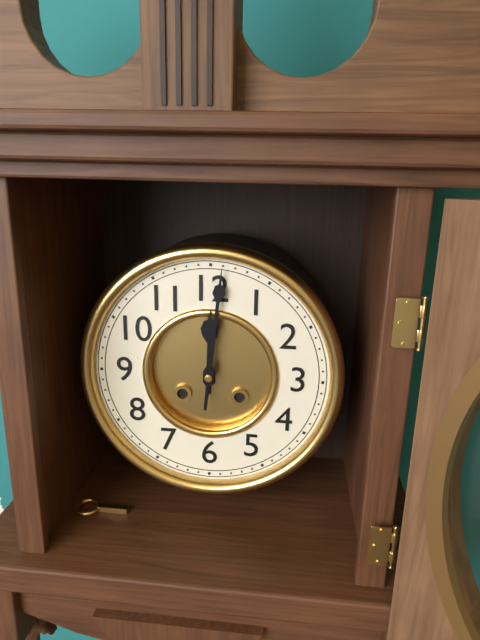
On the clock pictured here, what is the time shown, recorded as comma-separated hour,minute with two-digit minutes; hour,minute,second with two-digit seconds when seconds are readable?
12,01
